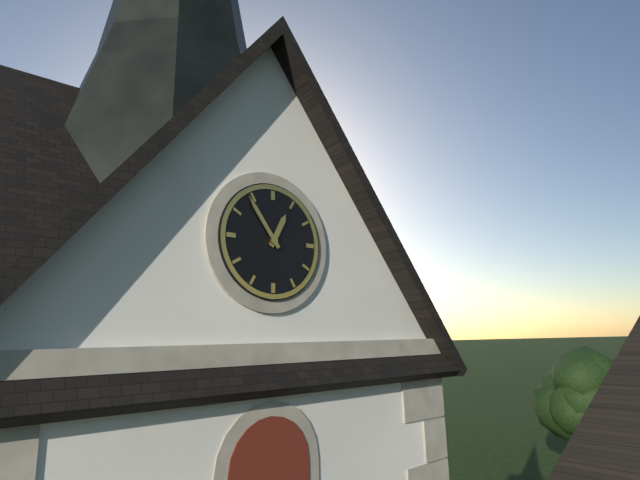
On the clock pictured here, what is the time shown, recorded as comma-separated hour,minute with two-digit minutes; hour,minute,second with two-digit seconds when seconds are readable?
12,54
